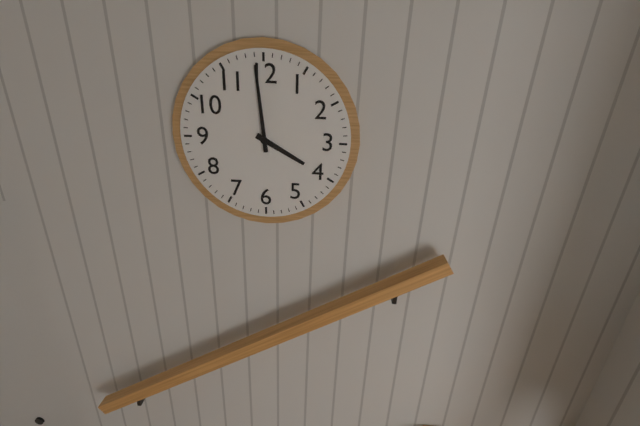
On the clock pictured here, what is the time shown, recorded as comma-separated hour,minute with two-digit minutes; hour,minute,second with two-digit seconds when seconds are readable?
3,59
